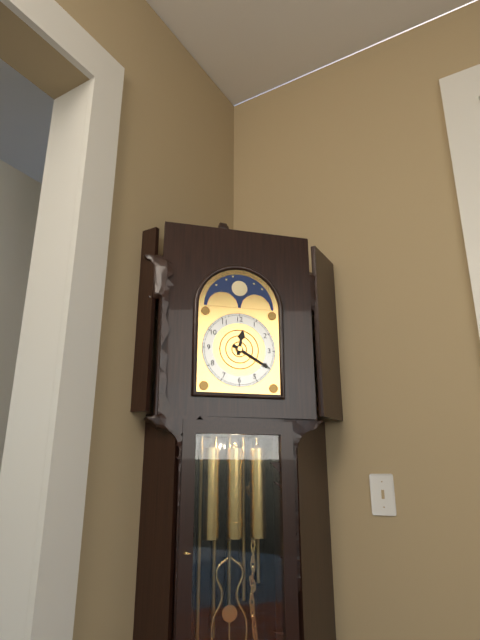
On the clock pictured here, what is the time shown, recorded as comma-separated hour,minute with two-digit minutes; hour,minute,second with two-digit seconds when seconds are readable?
12,20
